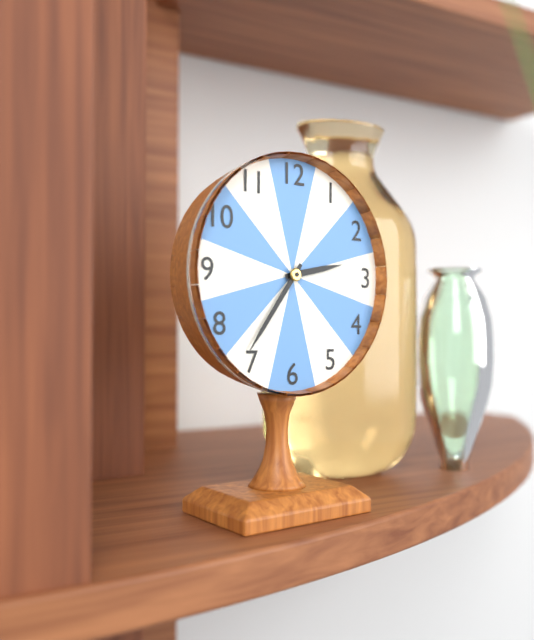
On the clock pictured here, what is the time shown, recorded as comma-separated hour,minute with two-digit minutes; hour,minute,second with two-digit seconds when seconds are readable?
2,36
